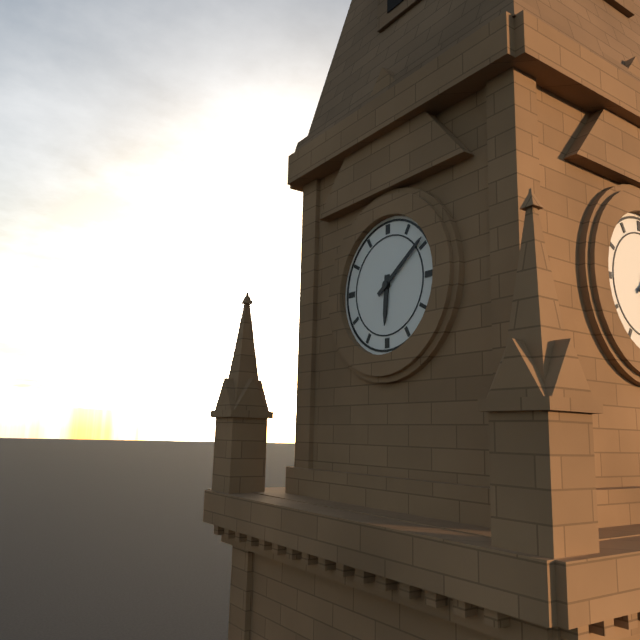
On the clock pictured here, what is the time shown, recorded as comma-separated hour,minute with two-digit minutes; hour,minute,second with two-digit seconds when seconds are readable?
6,09
